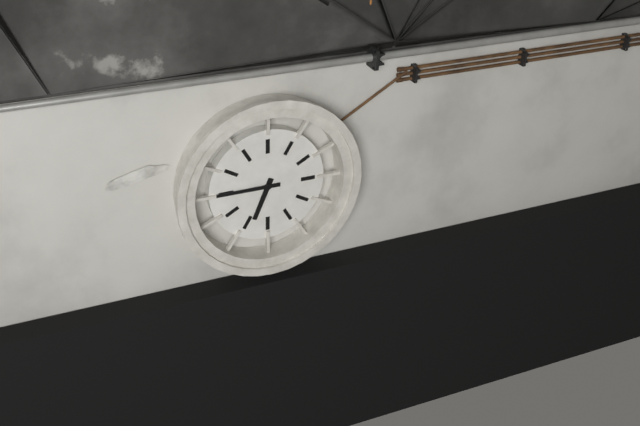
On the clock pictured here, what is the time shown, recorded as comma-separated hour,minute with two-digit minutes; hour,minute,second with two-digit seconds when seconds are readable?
6,45
